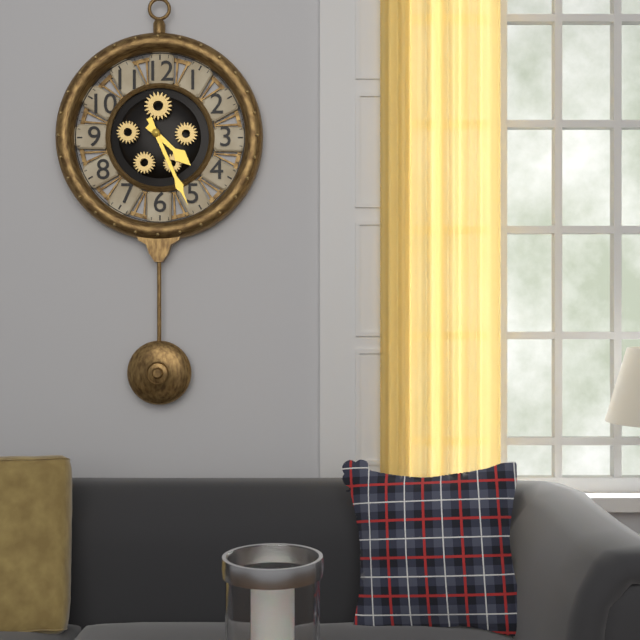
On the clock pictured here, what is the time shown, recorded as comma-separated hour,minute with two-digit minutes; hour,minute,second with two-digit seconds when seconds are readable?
4,26
